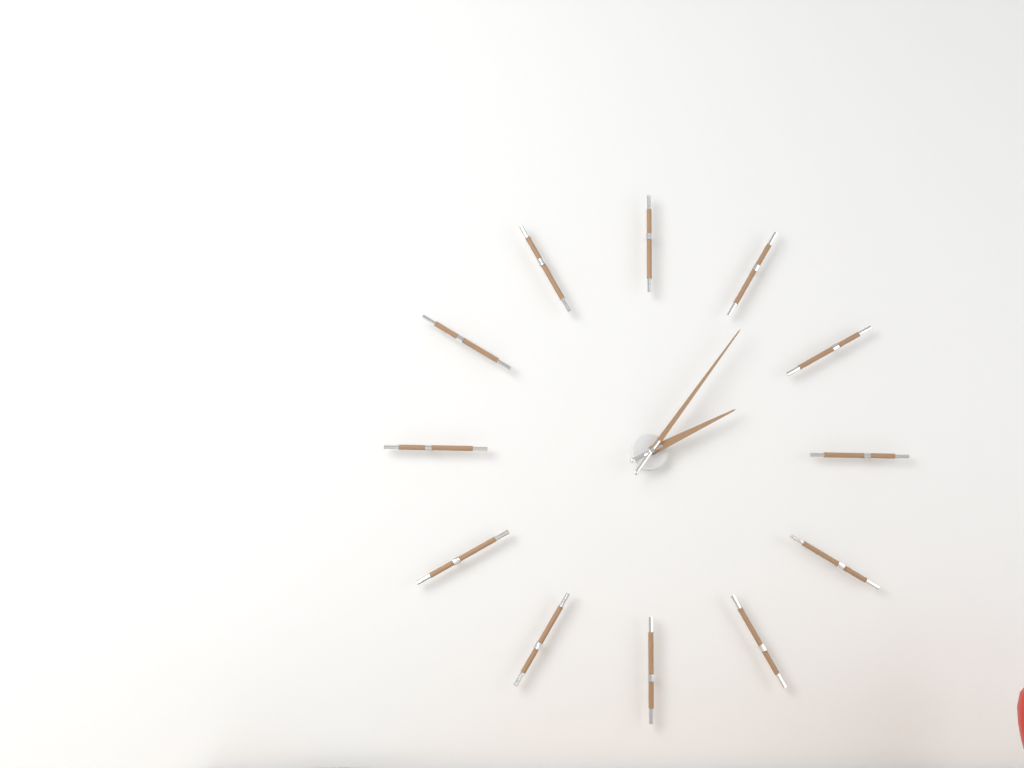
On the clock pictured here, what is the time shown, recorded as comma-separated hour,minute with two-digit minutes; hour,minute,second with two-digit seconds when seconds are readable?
2,06
